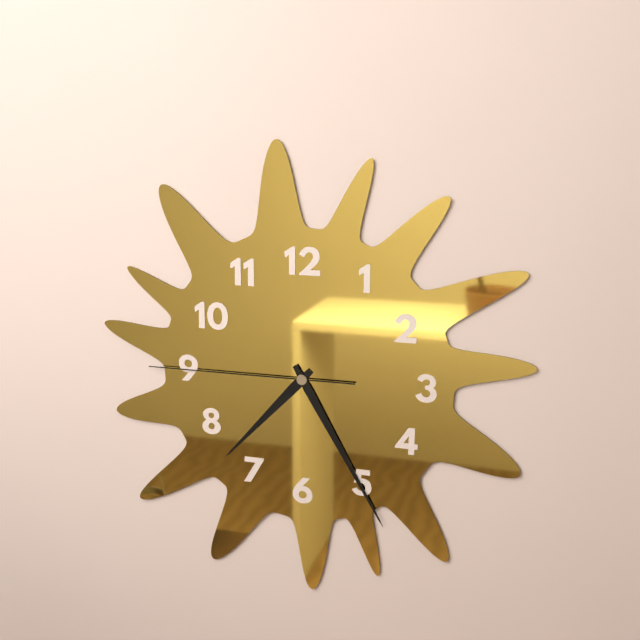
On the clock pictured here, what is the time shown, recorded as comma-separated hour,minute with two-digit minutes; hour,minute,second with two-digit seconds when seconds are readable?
7,25,45
